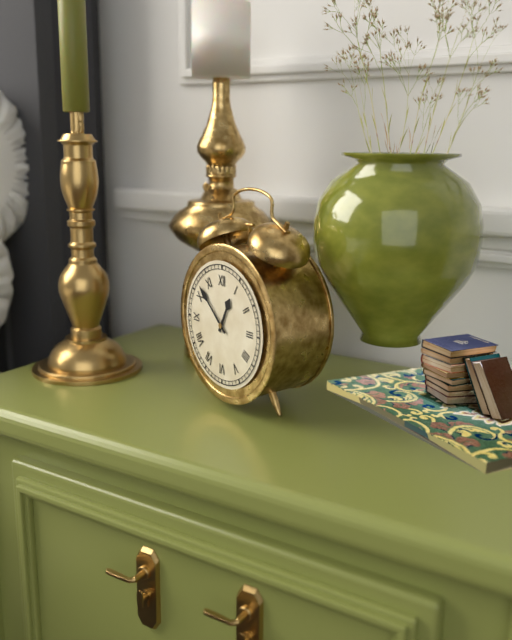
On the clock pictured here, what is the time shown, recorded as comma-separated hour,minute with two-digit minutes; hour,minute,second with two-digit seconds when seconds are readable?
12,52
